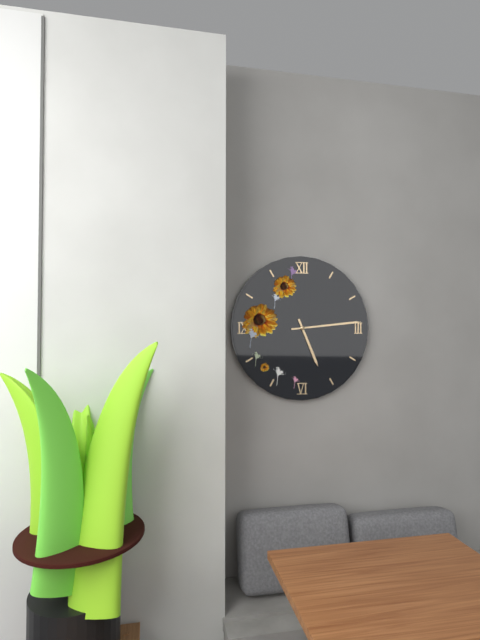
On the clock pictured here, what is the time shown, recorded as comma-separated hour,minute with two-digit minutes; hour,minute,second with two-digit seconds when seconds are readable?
5,14
